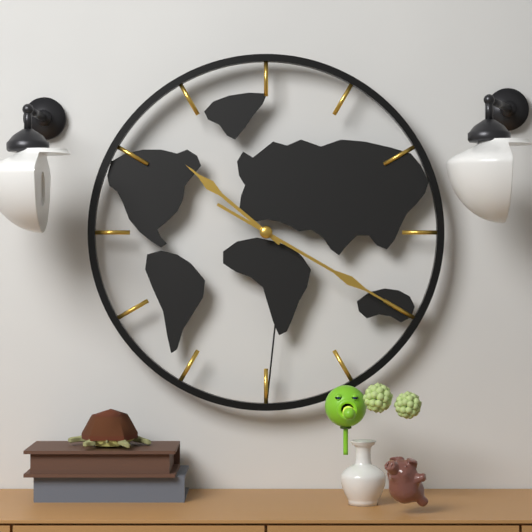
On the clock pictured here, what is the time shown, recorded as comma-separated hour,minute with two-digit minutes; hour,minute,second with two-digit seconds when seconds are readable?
10,20
